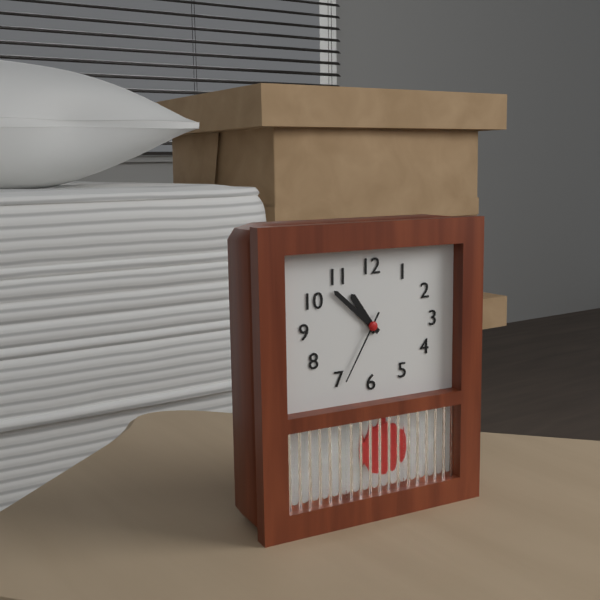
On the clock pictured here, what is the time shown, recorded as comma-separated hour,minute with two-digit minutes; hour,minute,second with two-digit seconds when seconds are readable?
10,52,35
